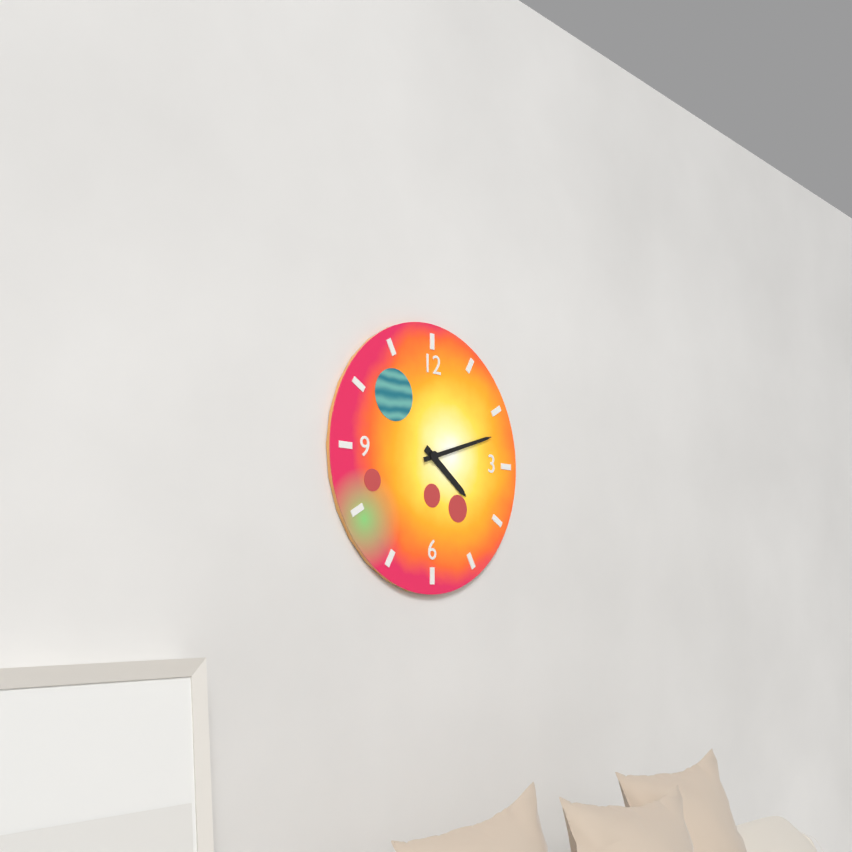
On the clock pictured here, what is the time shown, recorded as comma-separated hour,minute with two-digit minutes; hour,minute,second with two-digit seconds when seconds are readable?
4,12
